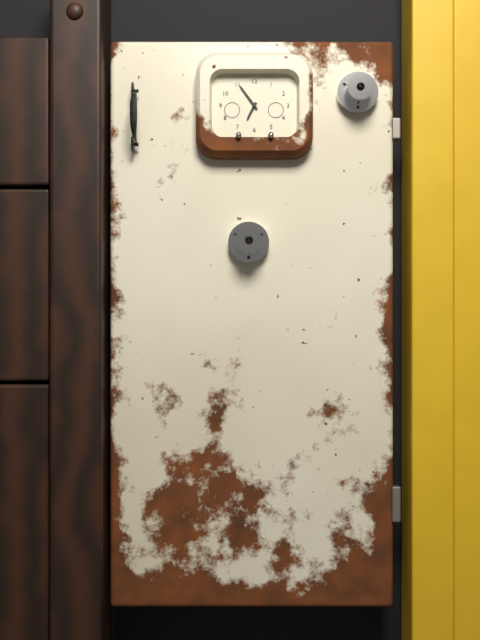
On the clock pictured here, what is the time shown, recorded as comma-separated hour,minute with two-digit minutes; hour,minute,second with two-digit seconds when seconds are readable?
6,54
